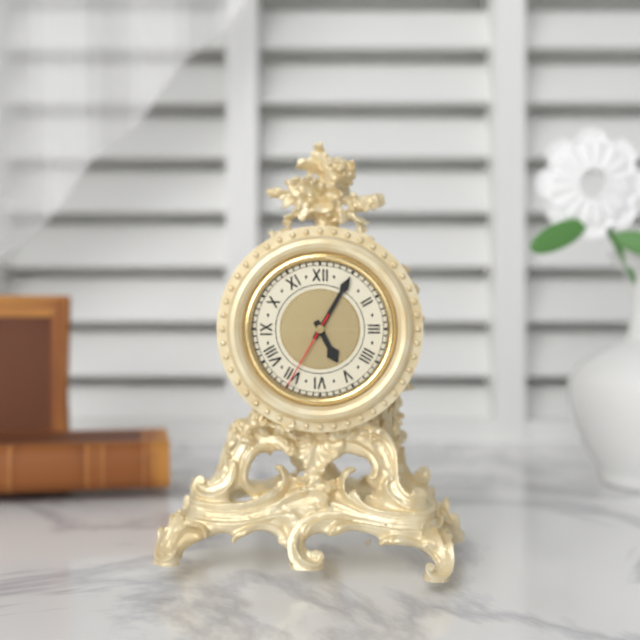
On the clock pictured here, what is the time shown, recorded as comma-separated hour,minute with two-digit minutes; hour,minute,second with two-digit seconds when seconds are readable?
5,05,35
